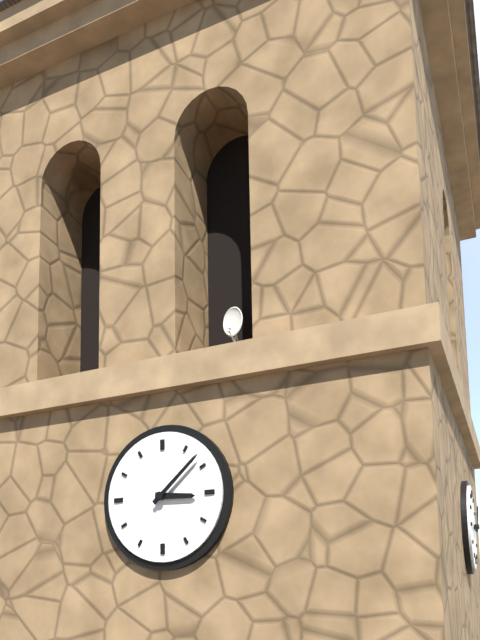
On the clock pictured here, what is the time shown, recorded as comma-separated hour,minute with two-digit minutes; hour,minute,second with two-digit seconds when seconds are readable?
3,08
